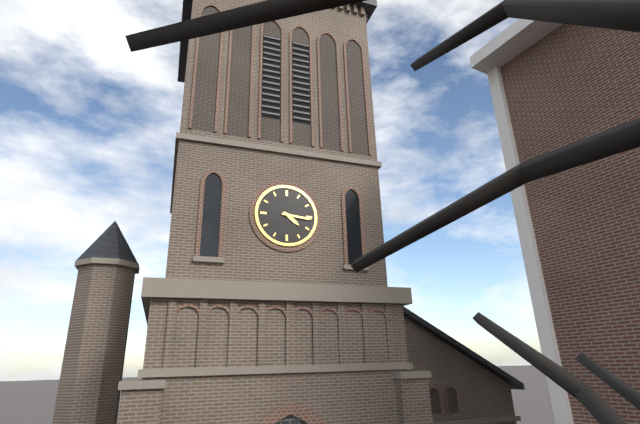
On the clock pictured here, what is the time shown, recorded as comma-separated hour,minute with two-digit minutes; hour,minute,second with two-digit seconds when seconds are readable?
4,16
